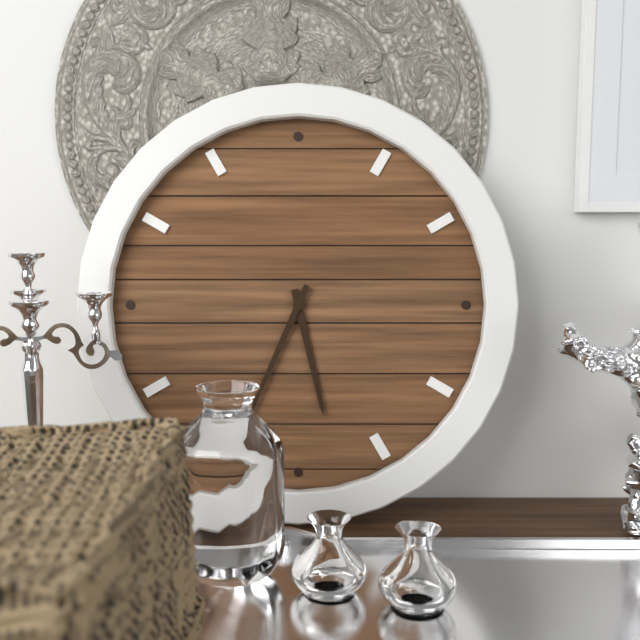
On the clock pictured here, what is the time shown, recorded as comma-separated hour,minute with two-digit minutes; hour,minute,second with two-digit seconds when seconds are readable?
5,34
